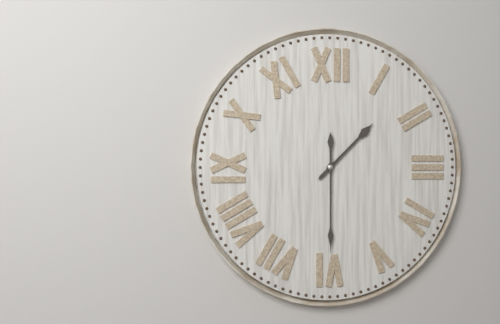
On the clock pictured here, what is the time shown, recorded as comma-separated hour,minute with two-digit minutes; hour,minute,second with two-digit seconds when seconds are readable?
1,30
